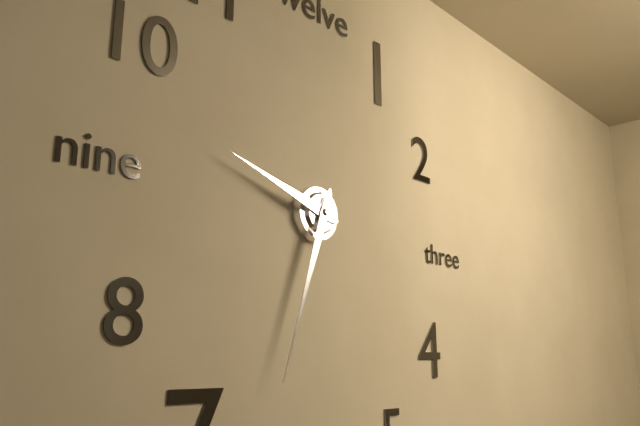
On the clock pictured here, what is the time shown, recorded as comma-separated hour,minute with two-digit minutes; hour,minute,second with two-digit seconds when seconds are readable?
9,33
